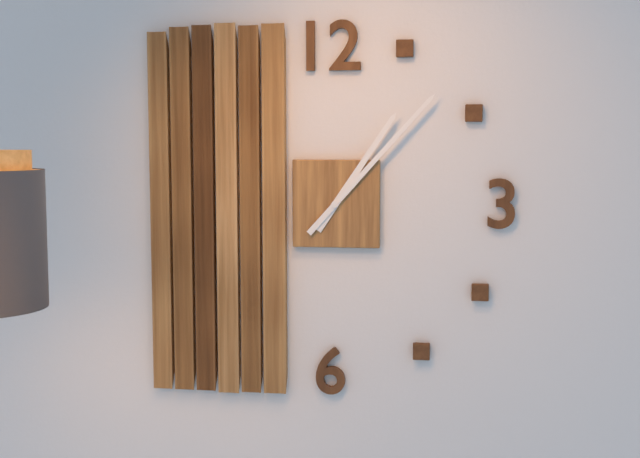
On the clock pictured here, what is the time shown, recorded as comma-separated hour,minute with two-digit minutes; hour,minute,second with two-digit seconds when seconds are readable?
1,07
